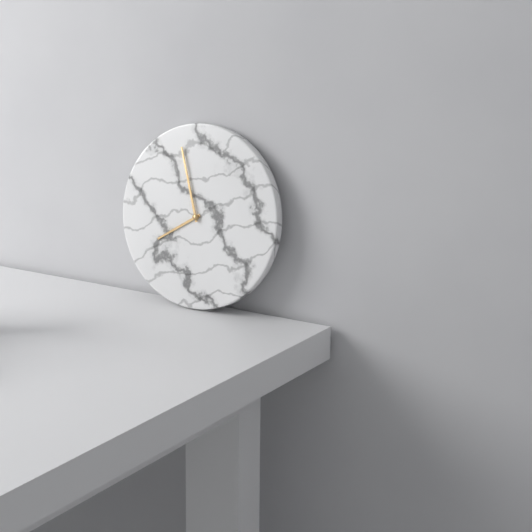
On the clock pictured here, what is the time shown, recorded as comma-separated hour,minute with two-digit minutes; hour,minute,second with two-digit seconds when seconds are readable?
7,57
